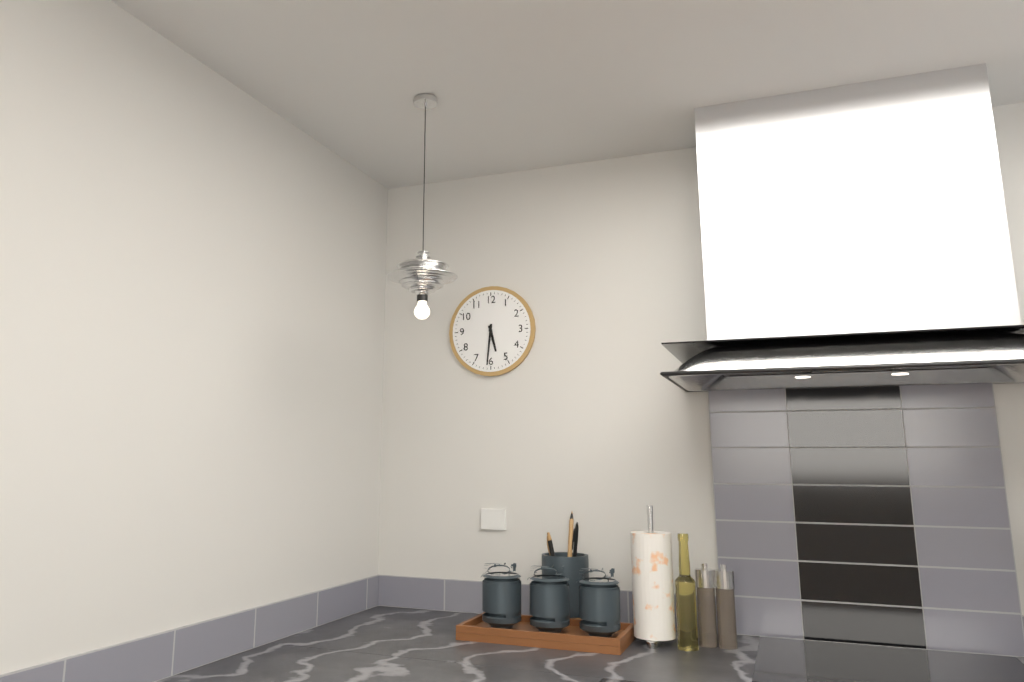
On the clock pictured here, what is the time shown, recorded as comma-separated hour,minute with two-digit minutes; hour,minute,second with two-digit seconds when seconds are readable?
5,31
